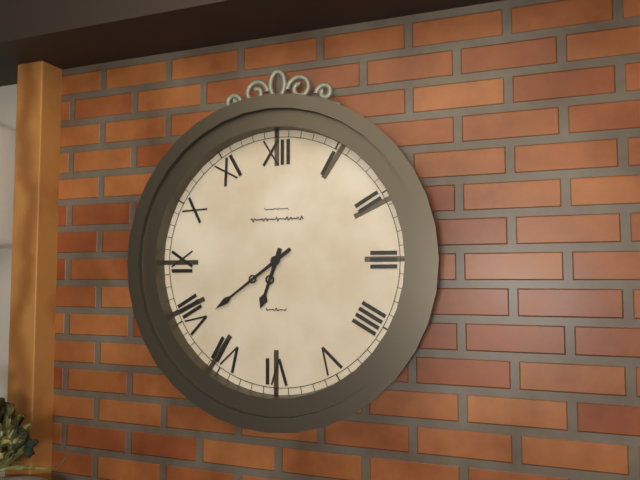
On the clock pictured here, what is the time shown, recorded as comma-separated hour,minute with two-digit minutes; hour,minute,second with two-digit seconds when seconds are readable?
6,39
